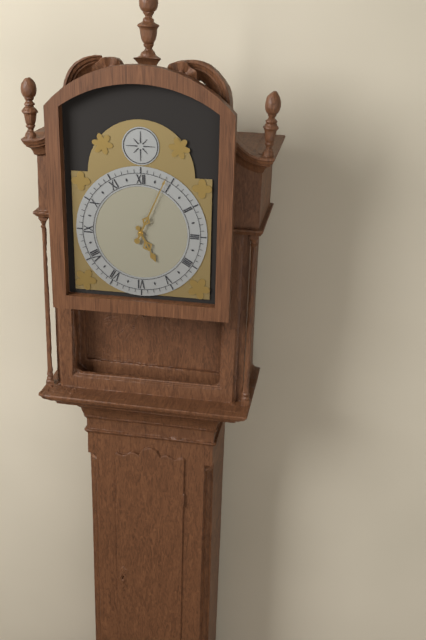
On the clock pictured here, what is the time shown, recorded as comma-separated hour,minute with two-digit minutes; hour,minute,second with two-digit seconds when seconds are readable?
5,04
